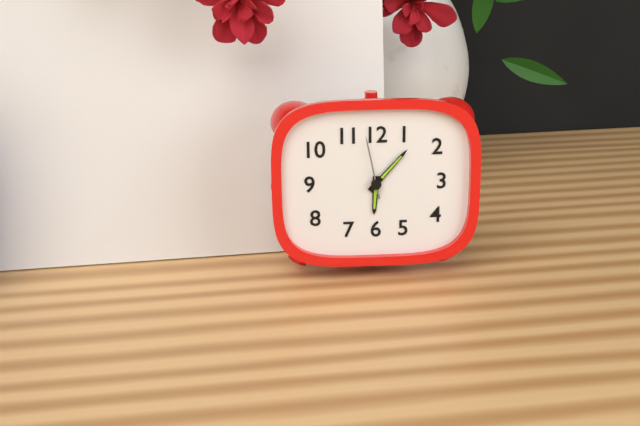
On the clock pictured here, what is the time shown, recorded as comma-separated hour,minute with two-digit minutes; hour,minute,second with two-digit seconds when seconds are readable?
6,07,58
